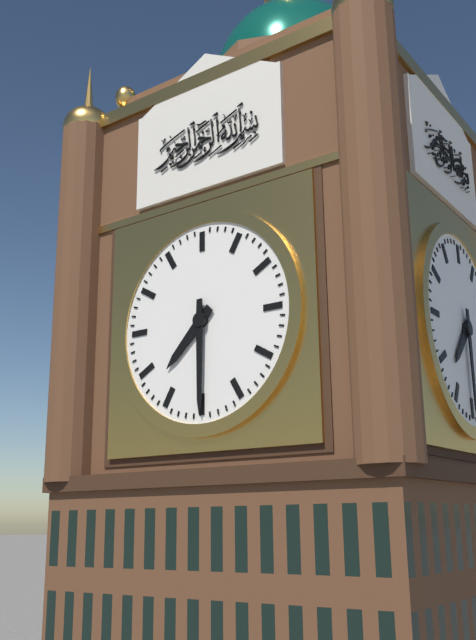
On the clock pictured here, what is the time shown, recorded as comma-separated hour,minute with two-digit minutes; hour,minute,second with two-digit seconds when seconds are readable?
7,30
